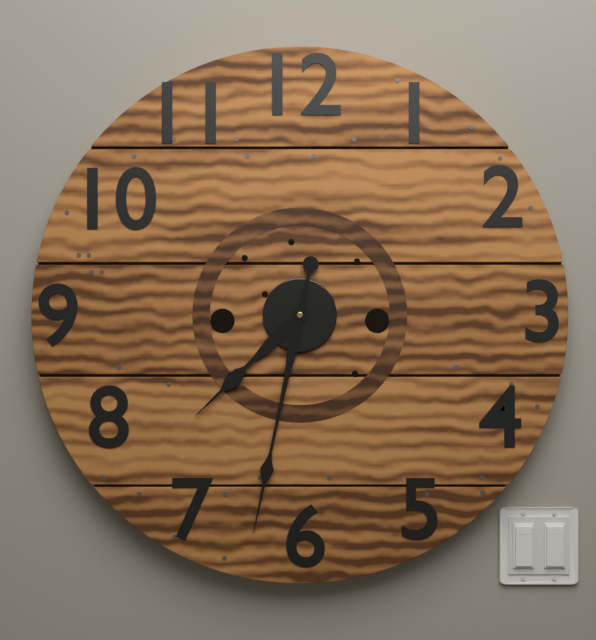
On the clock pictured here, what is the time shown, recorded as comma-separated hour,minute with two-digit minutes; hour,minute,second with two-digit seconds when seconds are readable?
7,32
